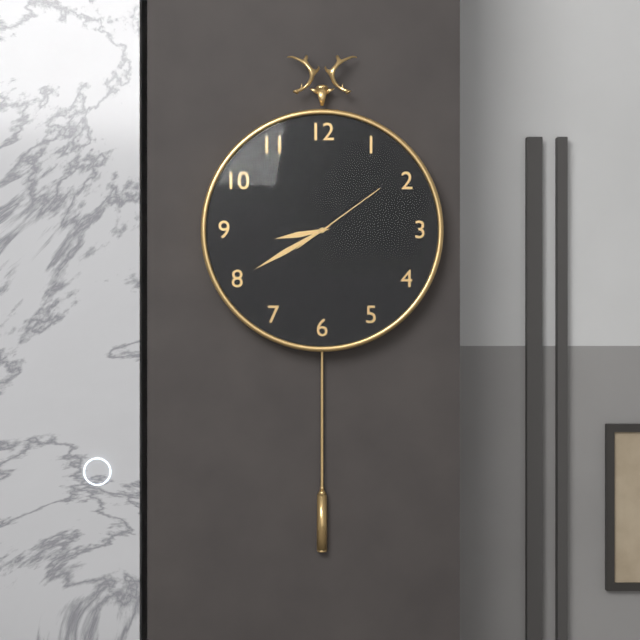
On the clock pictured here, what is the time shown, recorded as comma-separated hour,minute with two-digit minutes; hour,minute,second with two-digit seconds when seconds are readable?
8,40,09
